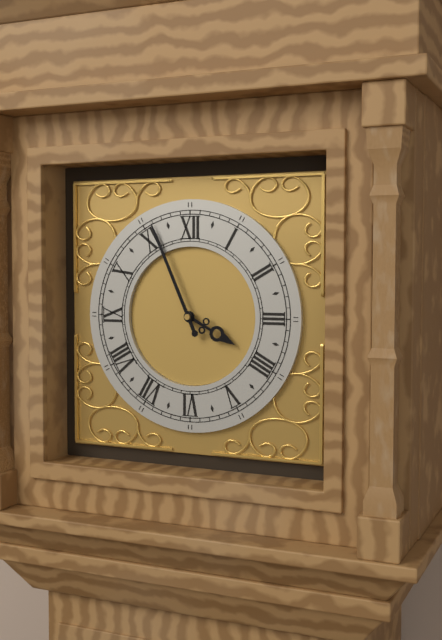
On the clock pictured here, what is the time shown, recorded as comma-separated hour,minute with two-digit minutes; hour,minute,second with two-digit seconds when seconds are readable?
3,56
